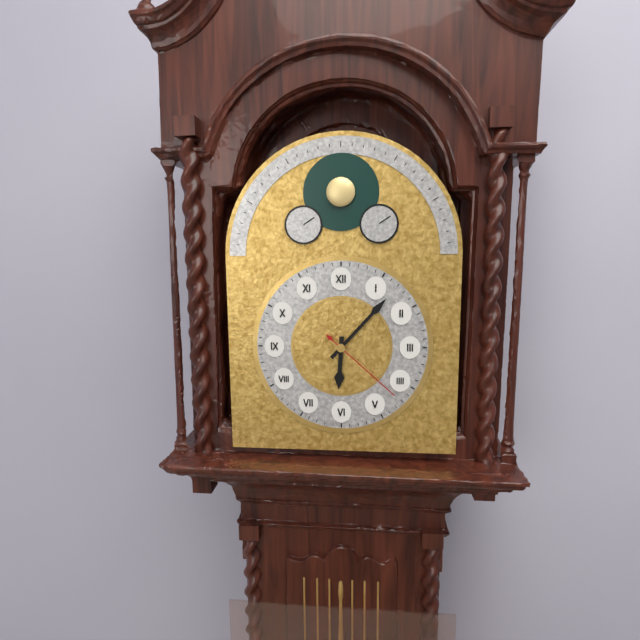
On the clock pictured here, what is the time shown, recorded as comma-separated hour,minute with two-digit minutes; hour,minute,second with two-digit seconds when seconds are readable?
6,07,22
